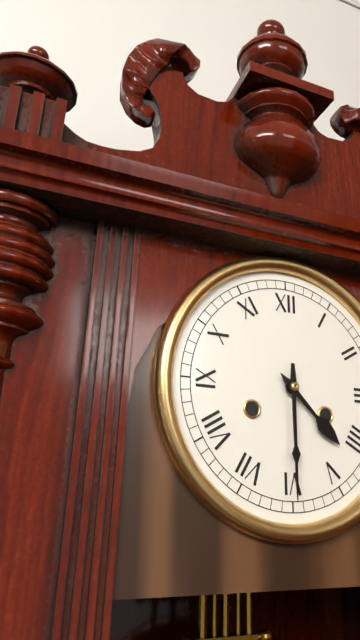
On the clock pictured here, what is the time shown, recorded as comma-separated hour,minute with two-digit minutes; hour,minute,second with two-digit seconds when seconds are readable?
4,30
